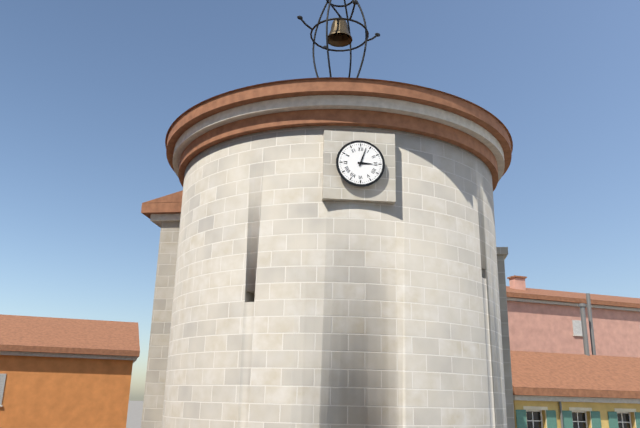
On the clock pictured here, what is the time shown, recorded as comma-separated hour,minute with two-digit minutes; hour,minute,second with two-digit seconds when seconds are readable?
3,03
